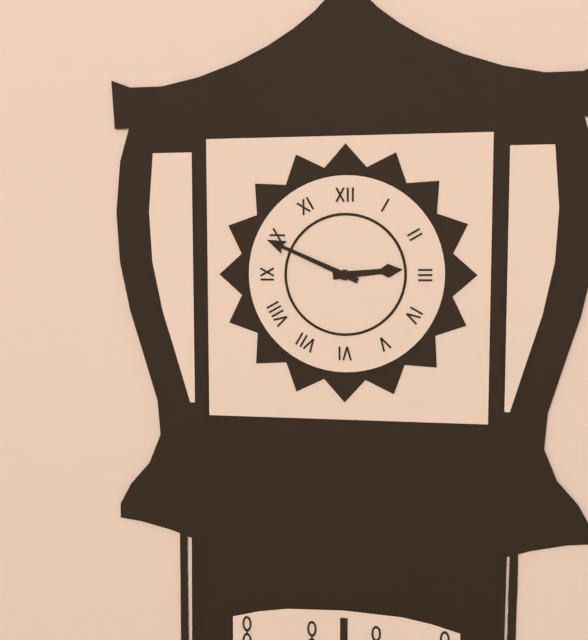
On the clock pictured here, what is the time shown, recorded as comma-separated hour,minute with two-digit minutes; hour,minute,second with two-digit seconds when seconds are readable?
2,49
